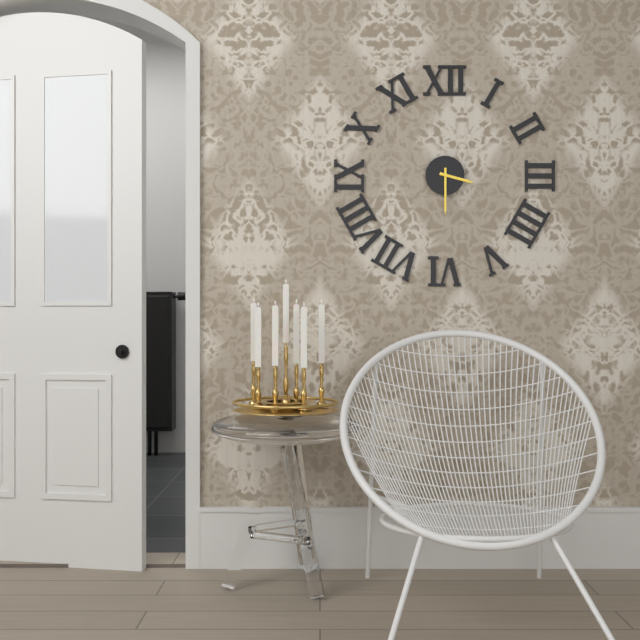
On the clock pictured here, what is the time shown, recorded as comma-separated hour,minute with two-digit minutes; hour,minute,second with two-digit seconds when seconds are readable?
3,30
